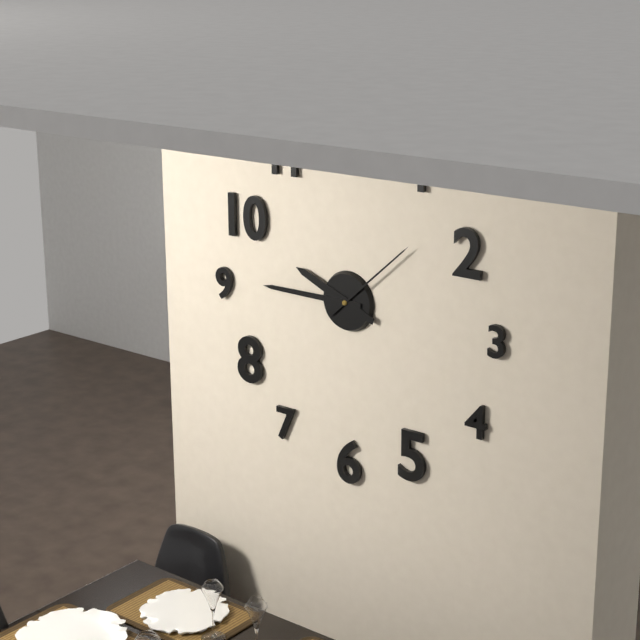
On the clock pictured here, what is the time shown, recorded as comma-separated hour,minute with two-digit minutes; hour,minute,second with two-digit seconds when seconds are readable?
9,45,08
